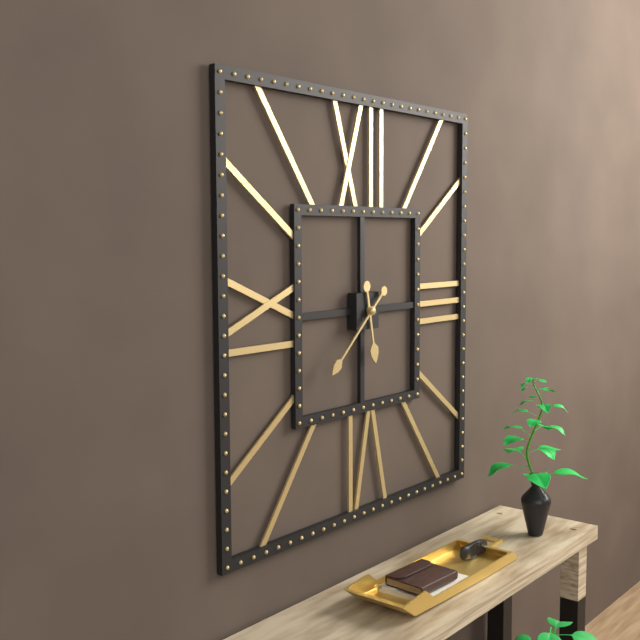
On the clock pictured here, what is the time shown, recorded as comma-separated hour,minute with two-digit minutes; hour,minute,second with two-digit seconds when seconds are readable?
5,38
